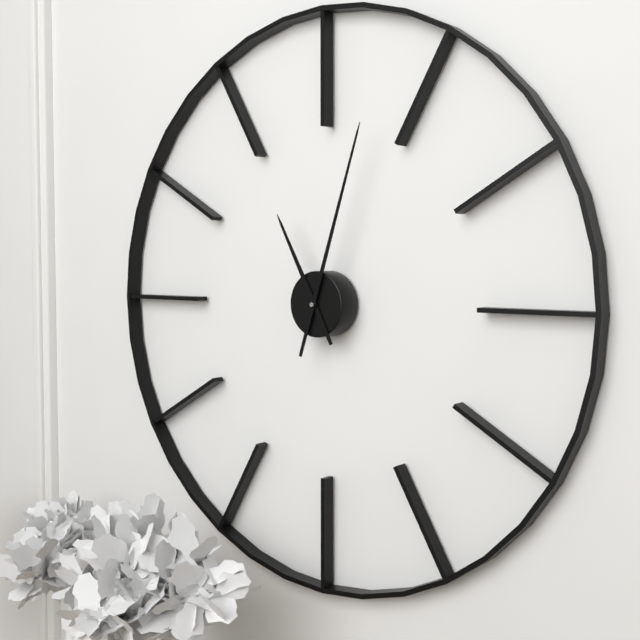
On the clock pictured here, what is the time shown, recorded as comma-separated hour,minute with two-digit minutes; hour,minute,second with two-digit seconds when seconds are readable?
11,03
